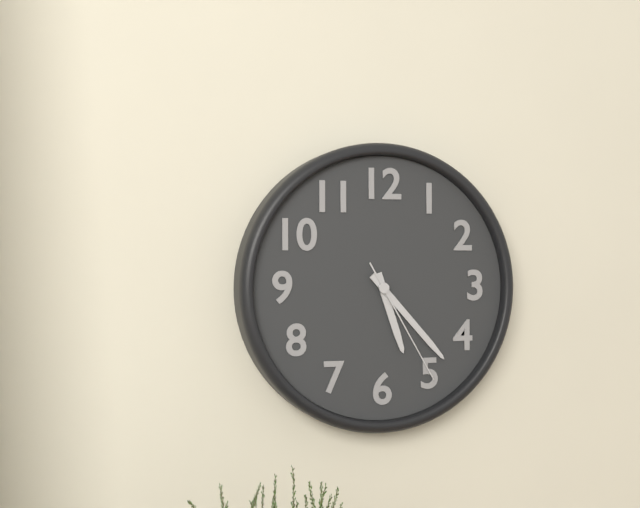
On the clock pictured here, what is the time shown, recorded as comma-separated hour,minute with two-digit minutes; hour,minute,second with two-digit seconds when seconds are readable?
5,23,25
